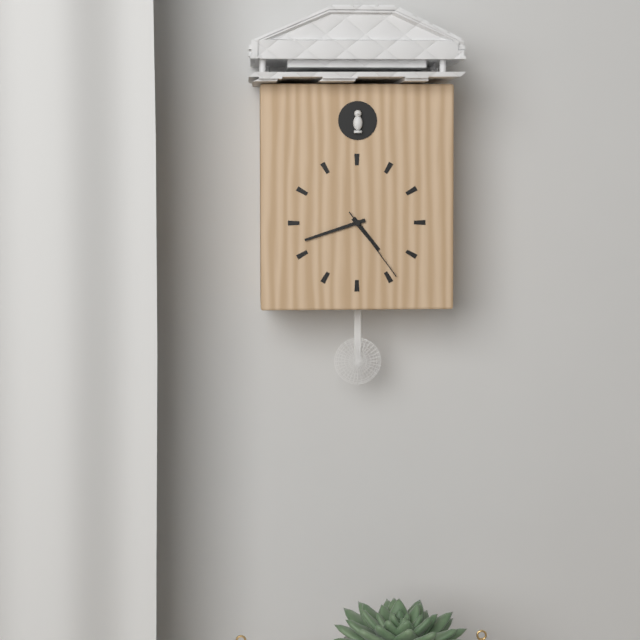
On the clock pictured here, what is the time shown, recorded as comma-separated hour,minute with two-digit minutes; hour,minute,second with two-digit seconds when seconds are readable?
4,42,24
